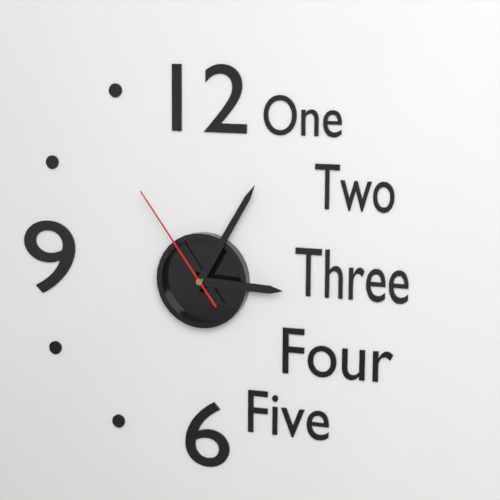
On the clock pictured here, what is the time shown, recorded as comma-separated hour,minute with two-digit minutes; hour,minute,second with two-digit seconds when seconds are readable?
3,05,54
